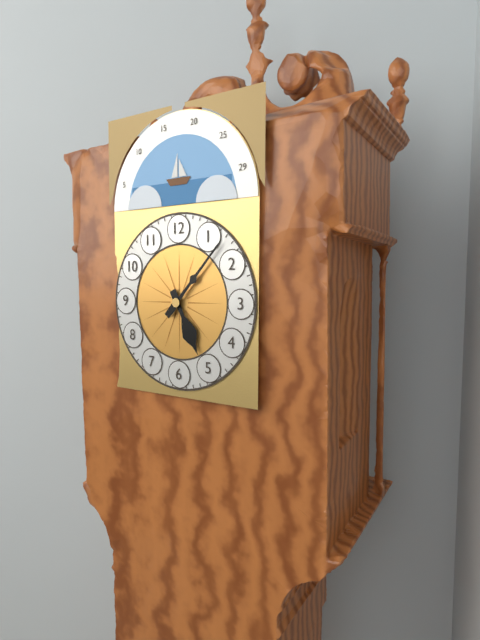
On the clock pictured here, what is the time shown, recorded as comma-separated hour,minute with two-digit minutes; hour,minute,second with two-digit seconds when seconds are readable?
5,07
